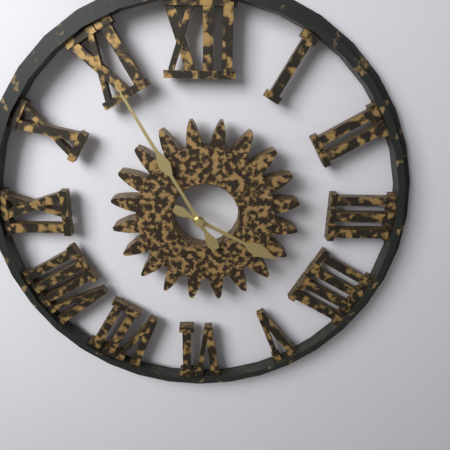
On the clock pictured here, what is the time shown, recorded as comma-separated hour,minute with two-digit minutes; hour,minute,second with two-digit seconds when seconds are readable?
3,55
